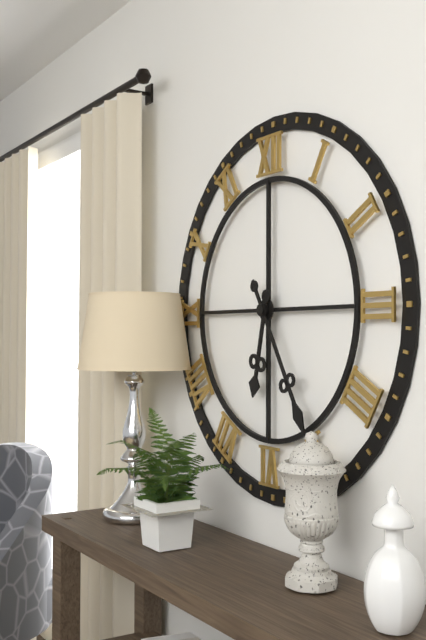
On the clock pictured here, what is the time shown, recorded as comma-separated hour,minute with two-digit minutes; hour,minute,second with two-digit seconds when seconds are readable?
6,25
